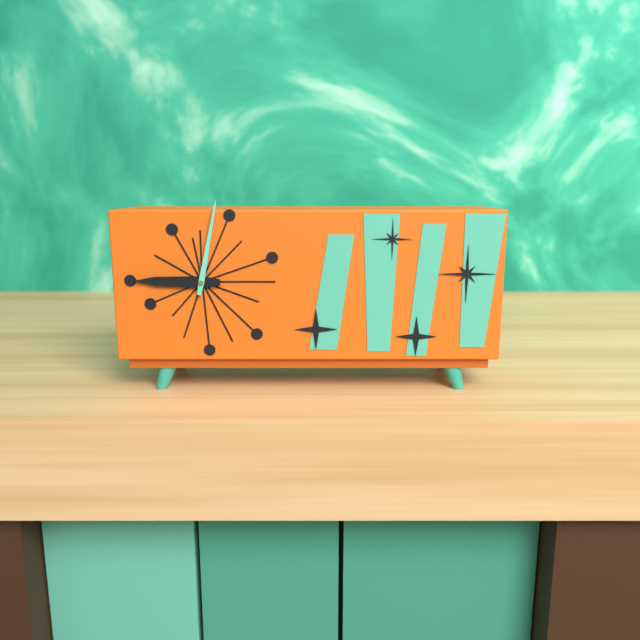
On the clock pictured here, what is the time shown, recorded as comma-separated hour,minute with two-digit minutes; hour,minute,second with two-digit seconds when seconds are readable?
9,02
